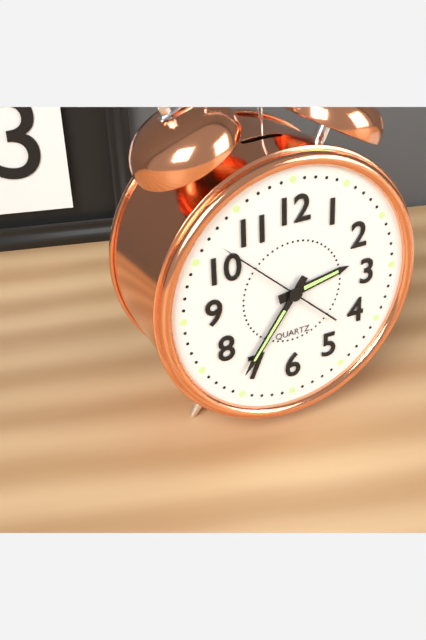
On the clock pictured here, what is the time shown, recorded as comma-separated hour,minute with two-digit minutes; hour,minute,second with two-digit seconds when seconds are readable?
2,36,52
